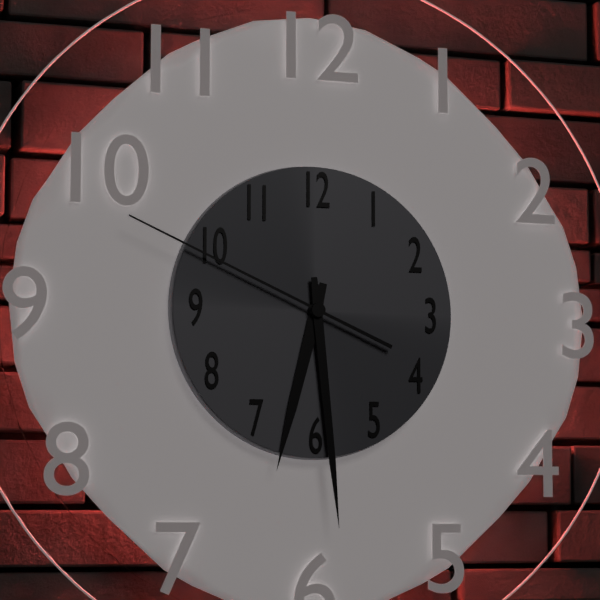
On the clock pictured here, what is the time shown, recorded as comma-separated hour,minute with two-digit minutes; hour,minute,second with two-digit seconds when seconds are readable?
6,29,49
